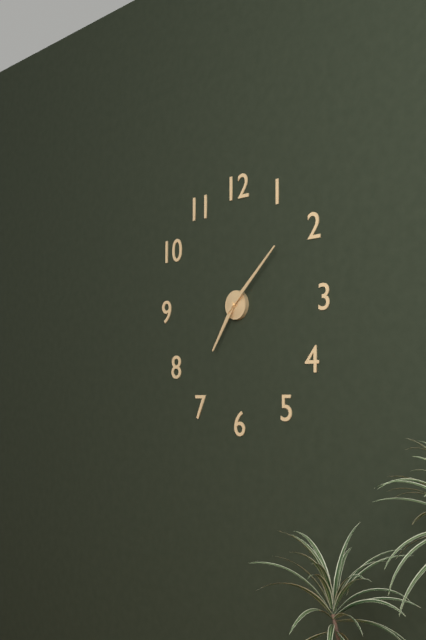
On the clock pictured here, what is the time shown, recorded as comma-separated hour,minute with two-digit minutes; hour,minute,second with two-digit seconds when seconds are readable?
7,08
